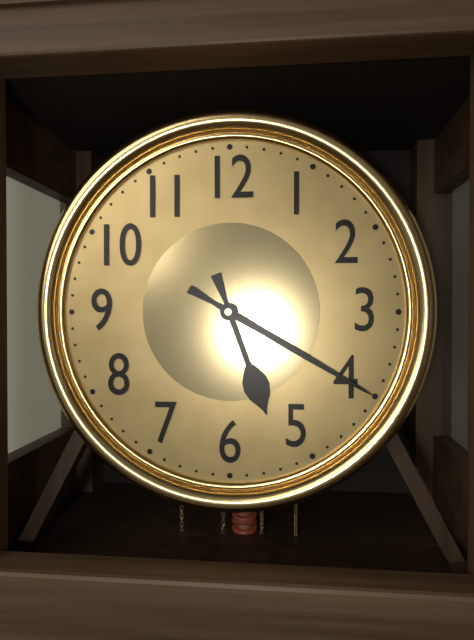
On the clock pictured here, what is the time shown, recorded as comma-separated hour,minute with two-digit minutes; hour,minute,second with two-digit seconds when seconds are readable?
5,20
